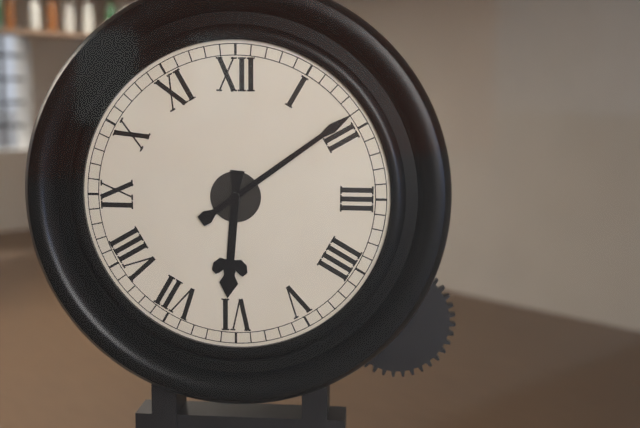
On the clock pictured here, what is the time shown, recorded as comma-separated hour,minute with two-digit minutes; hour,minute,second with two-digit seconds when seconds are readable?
6,09
